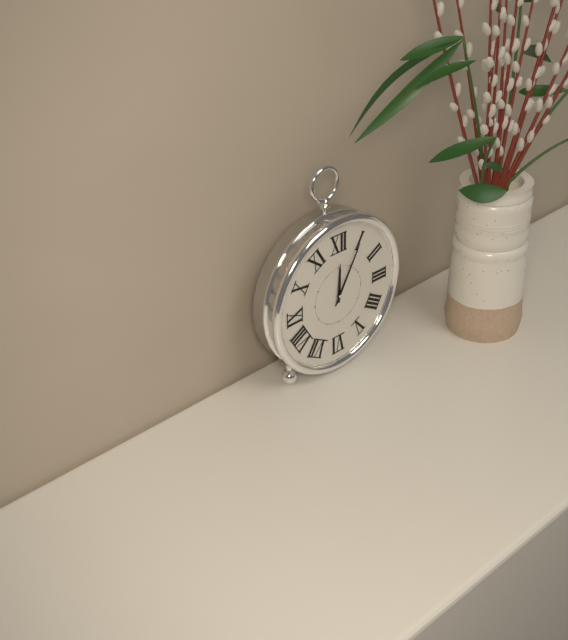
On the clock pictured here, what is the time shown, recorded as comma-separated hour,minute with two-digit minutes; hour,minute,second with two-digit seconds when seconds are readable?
12,05
